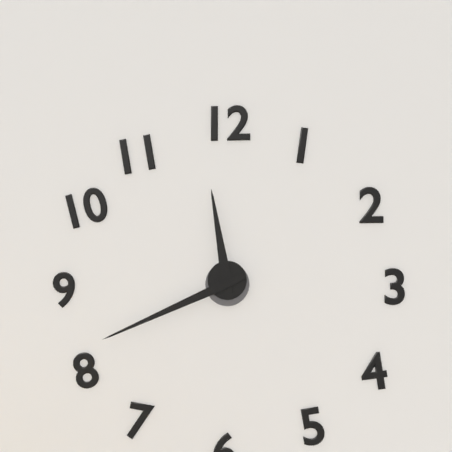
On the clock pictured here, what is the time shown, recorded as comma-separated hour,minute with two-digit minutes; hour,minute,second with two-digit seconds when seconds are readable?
11,41
